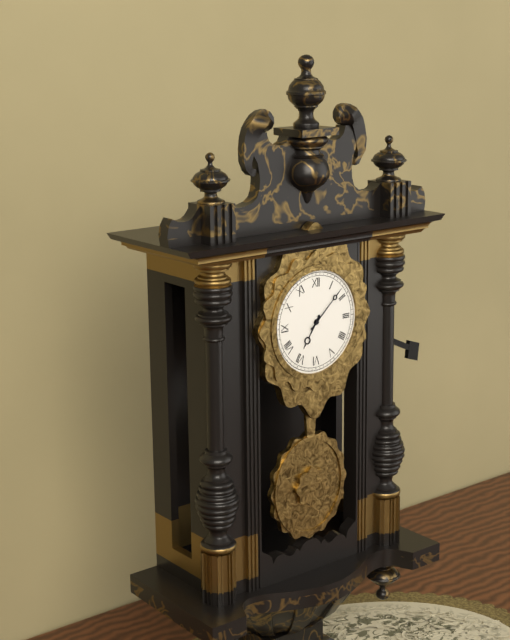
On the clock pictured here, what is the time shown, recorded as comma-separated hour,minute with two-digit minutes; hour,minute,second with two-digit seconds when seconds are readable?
7,08
